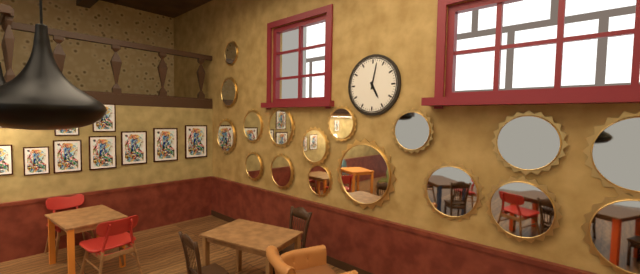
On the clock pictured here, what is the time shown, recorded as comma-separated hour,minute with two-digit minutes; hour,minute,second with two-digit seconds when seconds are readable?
5,02
